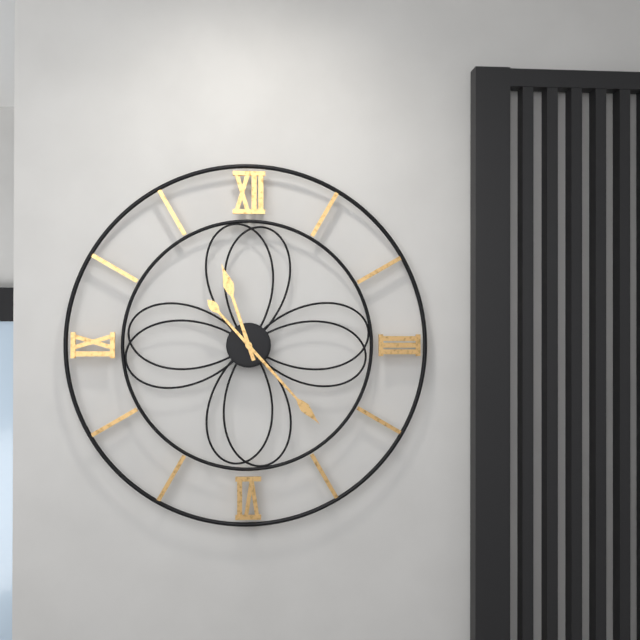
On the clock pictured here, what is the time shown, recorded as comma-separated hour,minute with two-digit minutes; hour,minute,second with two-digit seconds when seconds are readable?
11,23
